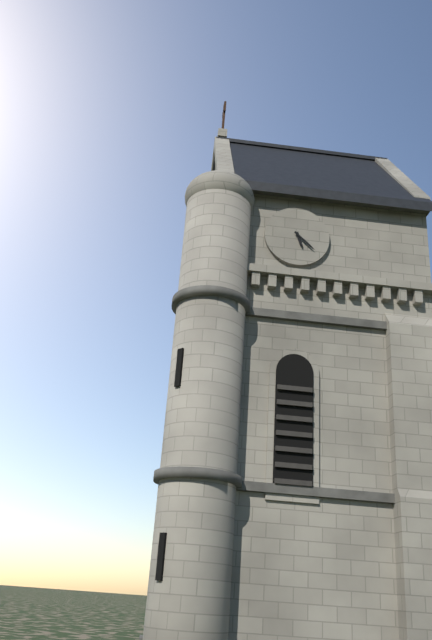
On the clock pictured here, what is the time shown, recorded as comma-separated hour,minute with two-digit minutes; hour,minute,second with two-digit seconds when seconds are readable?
5,22
